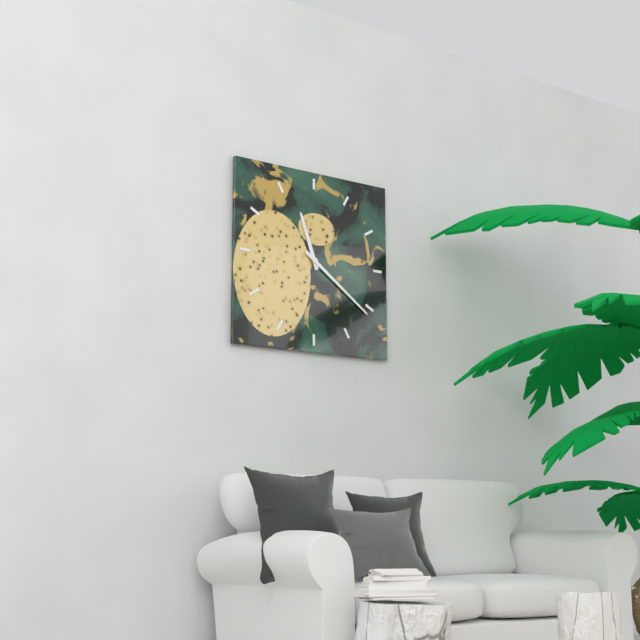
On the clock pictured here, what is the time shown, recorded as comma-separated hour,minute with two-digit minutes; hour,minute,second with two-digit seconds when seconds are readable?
11,21
